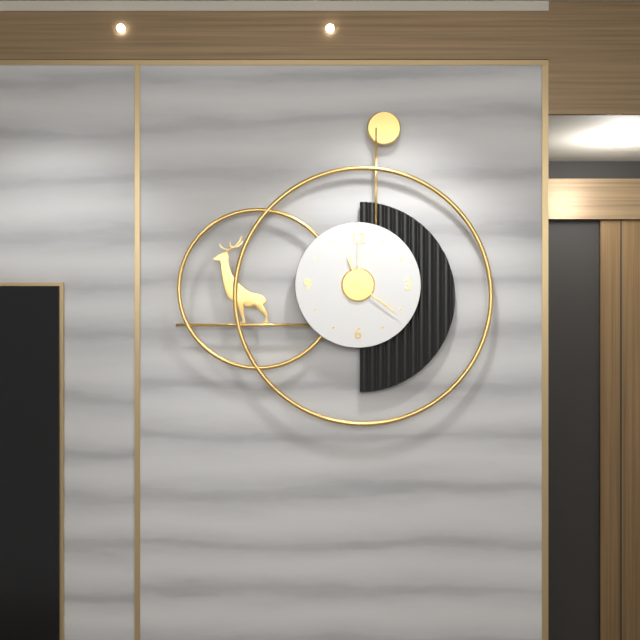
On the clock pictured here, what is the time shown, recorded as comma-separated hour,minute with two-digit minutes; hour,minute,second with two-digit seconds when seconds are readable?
11,21,00
